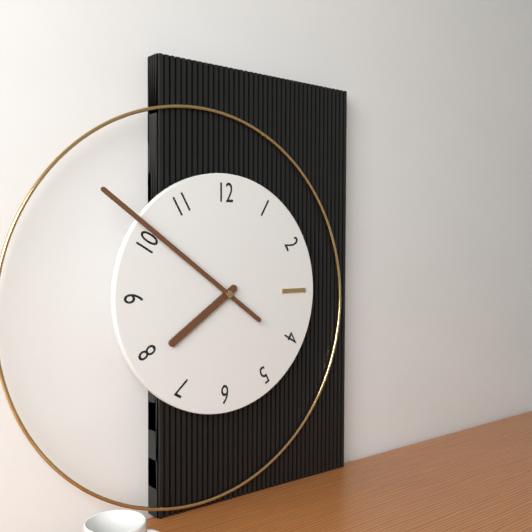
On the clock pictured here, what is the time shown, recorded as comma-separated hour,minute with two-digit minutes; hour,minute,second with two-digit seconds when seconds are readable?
7,51
